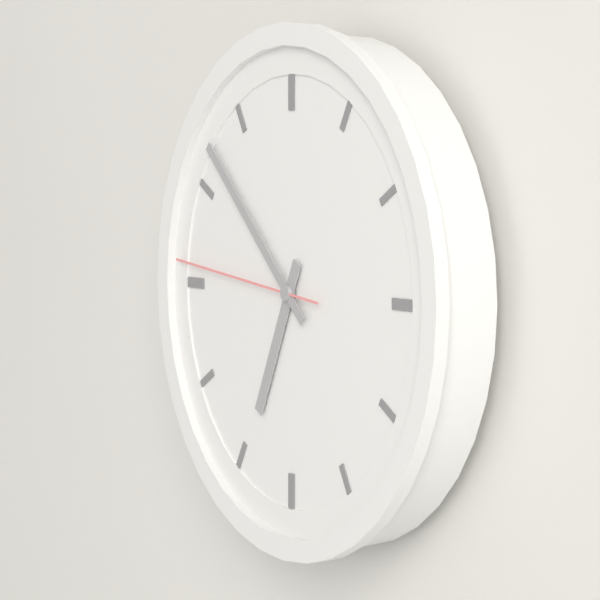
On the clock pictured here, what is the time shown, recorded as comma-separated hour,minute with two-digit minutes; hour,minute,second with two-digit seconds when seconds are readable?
6,52,46
